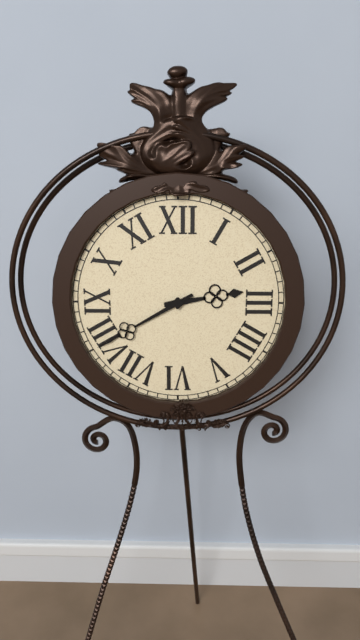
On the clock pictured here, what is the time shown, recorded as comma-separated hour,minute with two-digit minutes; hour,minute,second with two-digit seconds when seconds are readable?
2,40
